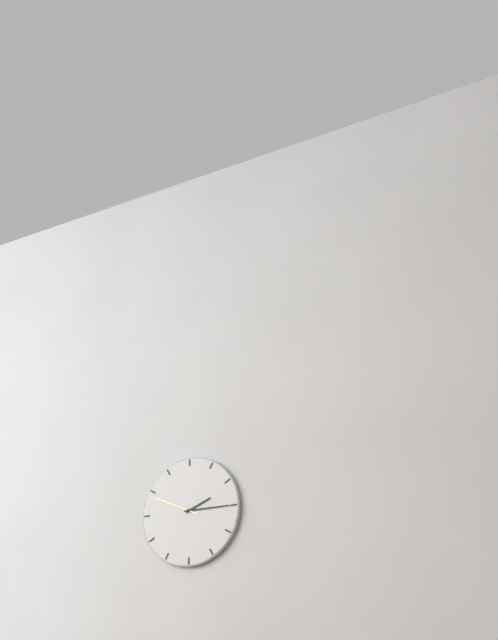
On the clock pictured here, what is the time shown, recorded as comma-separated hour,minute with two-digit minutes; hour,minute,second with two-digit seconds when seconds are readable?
2,15
